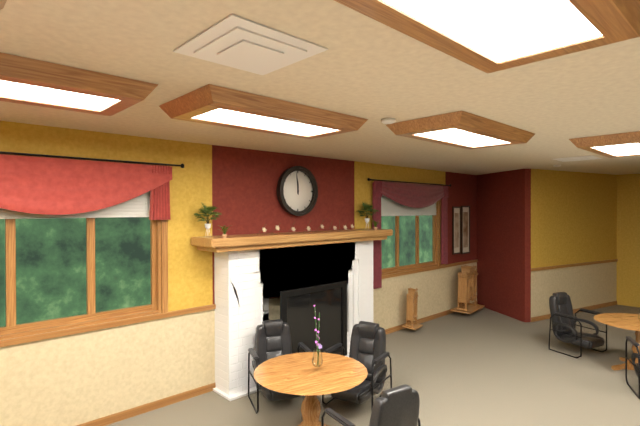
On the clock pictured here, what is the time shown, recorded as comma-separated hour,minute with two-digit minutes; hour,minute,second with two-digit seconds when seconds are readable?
11,59
